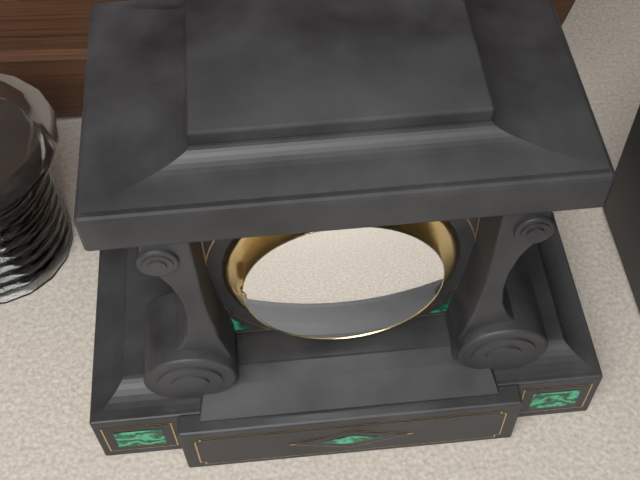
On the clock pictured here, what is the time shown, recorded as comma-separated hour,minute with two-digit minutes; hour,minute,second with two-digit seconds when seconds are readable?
3,07
